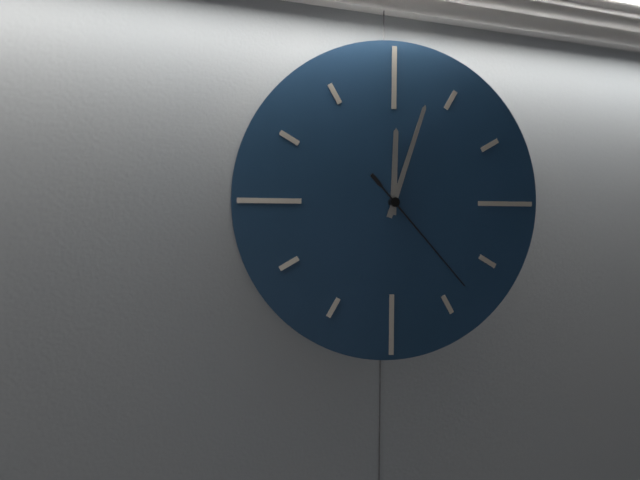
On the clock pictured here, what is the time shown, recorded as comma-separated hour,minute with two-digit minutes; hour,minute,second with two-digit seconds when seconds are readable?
12,03,23
